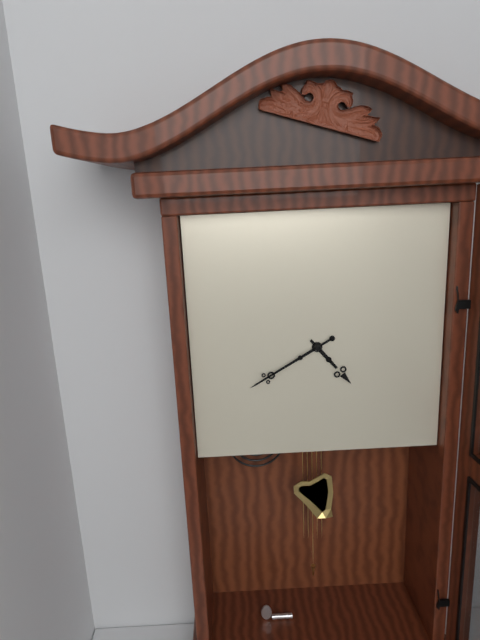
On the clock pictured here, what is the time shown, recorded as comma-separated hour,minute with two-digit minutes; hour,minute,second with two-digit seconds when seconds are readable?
4,40
